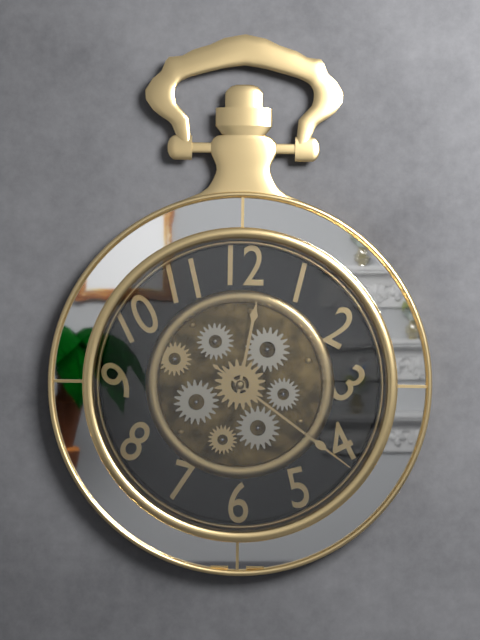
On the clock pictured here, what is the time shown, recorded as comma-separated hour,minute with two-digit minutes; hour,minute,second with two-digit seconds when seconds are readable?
12,21
